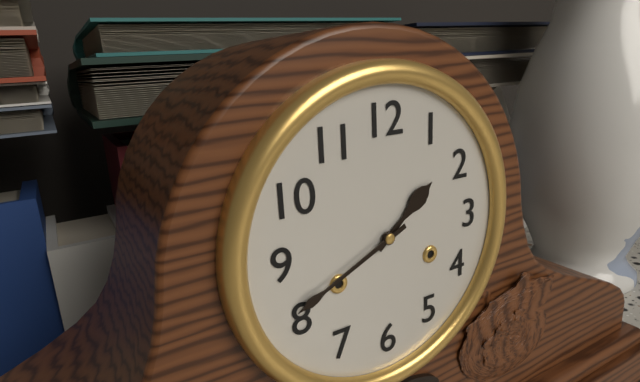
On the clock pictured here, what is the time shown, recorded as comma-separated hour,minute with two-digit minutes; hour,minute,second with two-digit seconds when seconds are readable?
1,41
